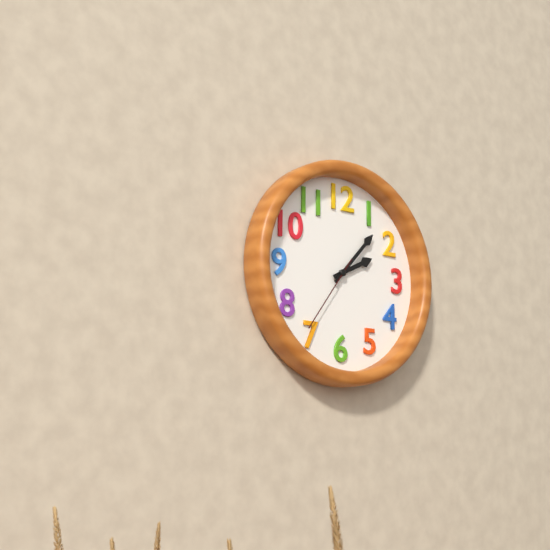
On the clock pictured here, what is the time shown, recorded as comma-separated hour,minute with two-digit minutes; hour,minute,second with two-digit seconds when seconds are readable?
2,07,36
